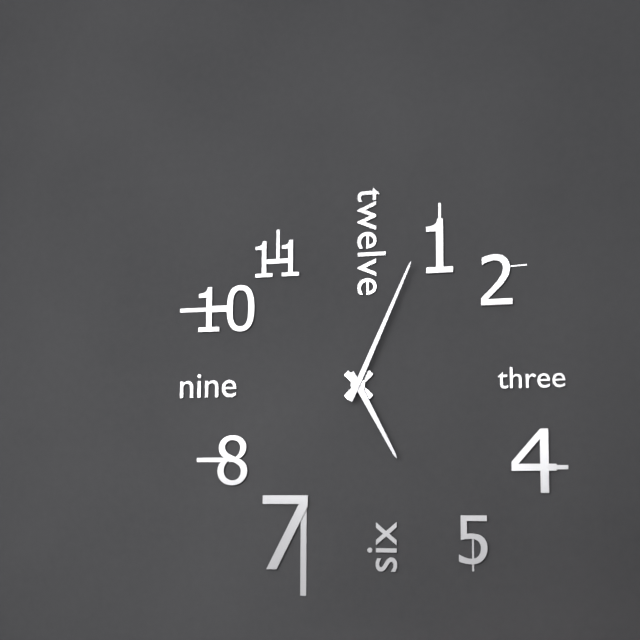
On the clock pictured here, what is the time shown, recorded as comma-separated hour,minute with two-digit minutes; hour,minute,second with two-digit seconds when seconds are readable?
5,04
